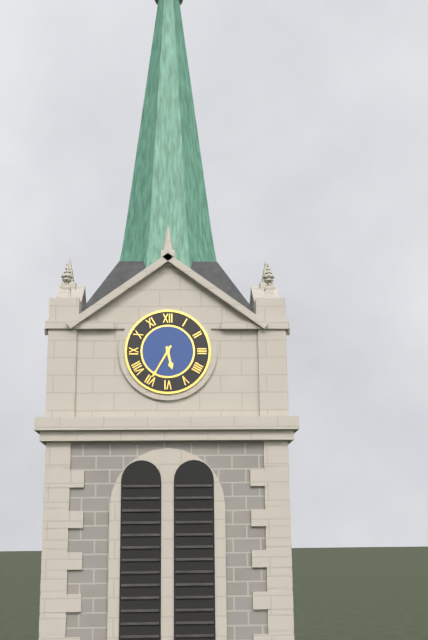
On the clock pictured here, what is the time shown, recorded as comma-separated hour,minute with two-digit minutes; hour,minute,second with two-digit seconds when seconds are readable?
5,35
